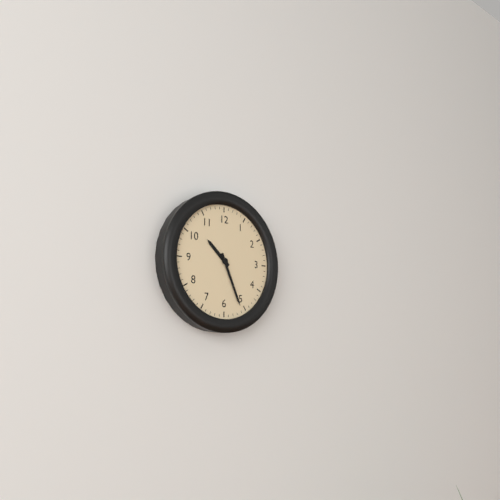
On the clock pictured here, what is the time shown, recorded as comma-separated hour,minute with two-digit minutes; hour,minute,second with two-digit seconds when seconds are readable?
10,26
